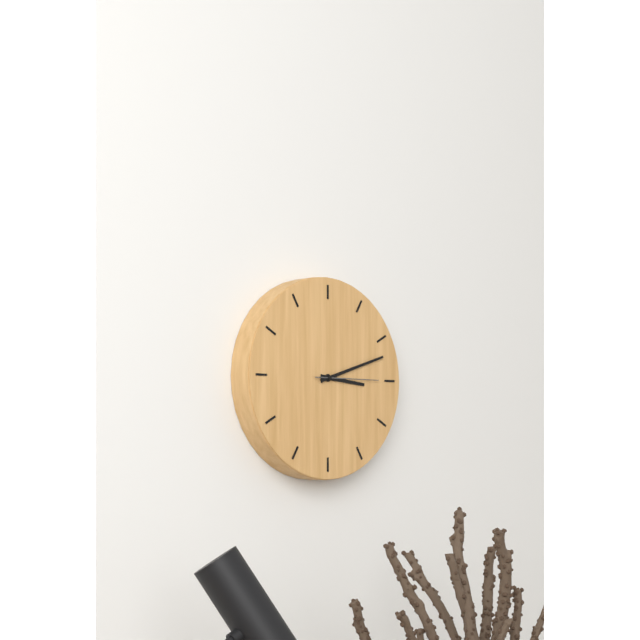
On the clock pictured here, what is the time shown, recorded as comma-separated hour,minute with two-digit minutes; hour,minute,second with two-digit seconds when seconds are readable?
3,12,15
